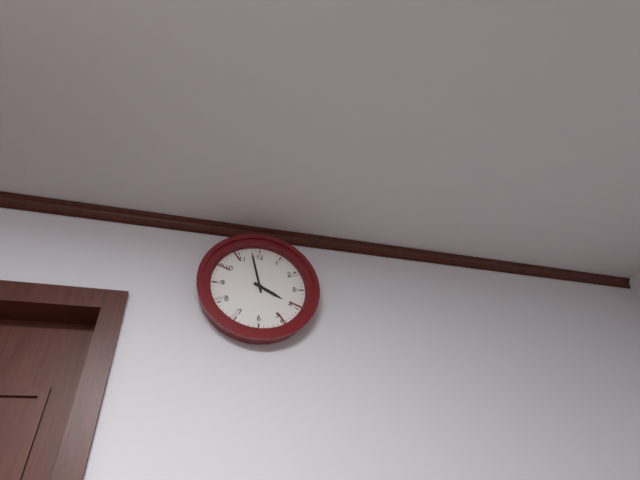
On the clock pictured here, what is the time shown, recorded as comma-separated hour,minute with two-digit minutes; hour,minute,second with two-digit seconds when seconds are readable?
3,58
